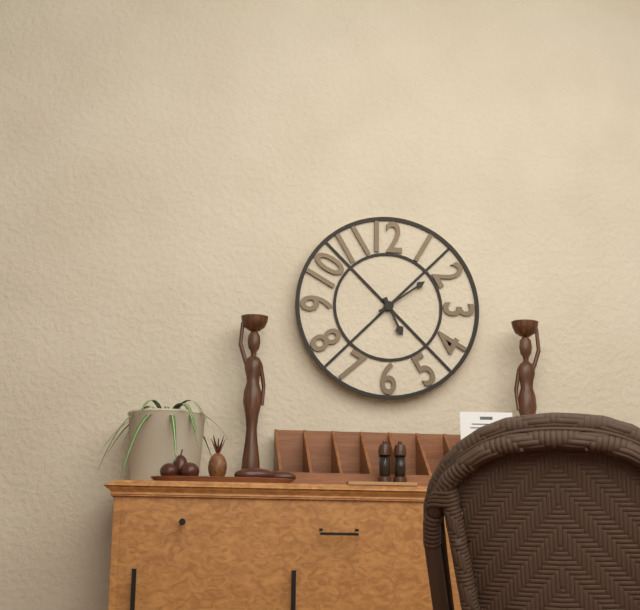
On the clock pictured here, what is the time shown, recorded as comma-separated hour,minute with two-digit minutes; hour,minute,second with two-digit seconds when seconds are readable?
5,09
